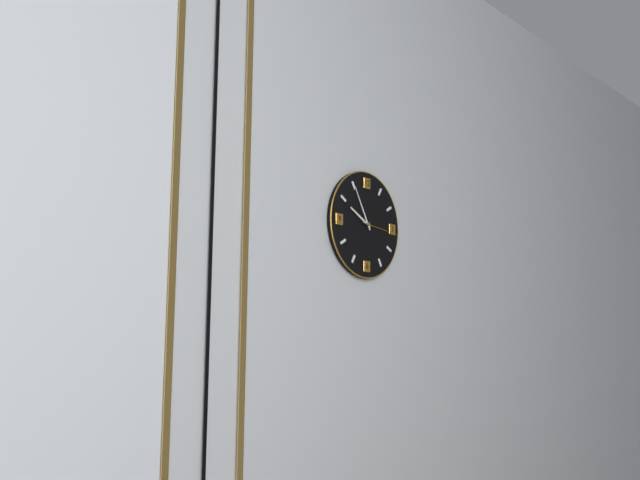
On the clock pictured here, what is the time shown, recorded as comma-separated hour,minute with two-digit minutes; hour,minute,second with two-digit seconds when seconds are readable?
9,55
